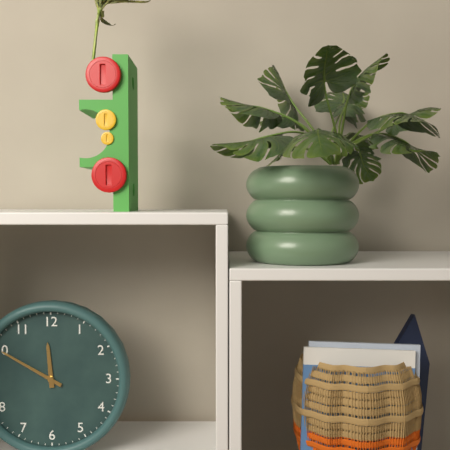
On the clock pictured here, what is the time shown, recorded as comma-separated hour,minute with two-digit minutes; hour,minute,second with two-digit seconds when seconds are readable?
11,50
